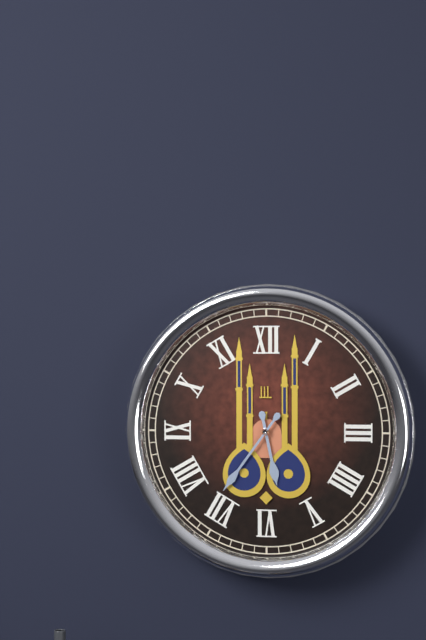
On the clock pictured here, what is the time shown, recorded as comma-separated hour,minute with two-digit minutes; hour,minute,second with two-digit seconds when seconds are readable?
5,36
